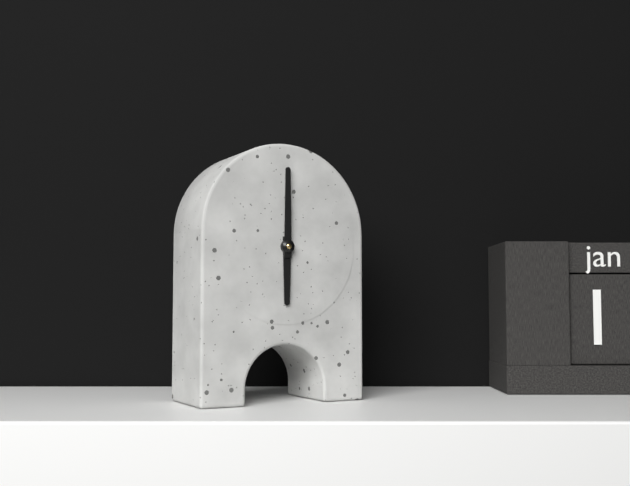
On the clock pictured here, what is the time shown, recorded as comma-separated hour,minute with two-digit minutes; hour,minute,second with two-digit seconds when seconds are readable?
6,00
